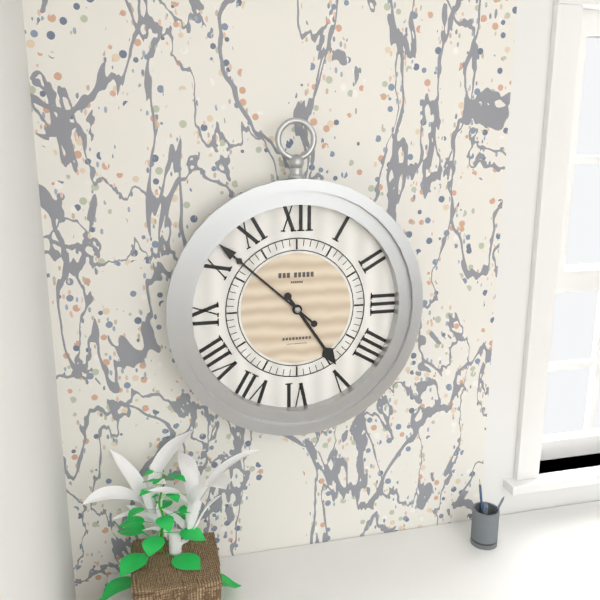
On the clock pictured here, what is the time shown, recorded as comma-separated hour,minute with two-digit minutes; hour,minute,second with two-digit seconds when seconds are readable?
4,52
